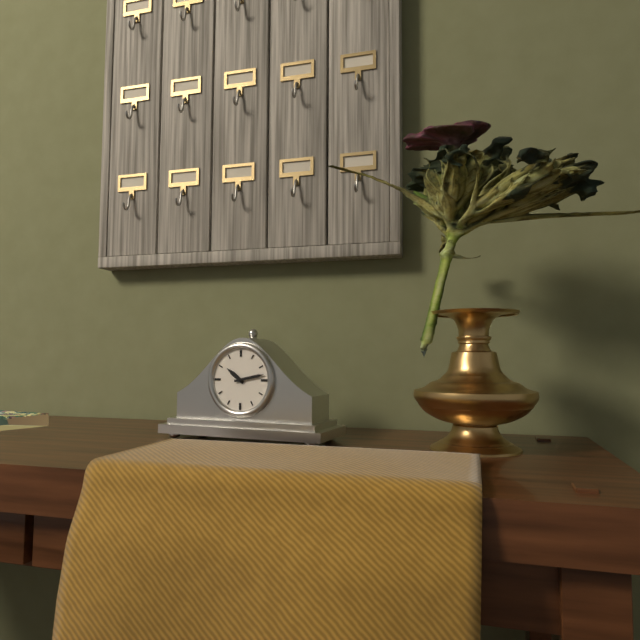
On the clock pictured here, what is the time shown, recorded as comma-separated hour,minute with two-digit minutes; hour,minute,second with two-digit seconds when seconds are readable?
10,13
